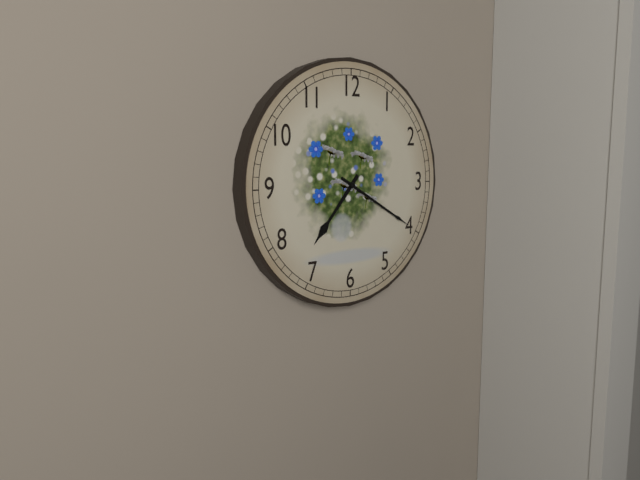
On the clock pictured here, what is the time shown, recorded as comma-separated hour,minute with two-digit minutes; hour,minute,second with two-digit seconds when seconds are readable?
7,20
